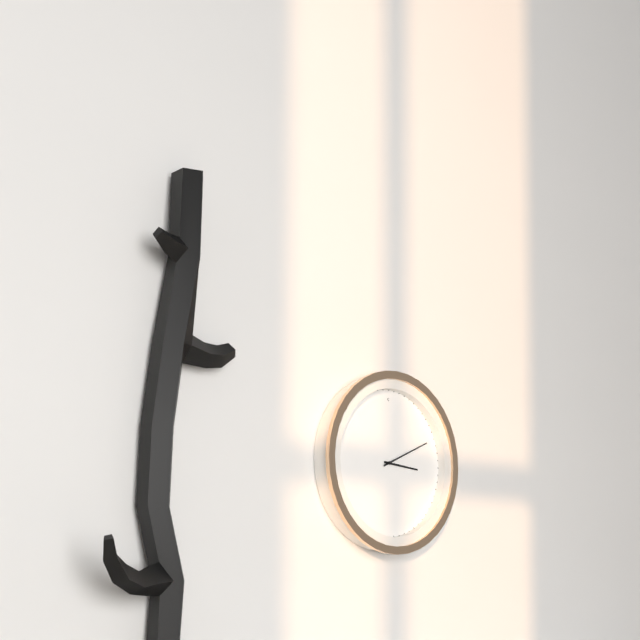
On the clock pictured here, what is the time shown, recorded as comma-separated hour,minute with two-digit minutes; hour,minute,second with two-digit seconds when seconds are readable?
3,11
